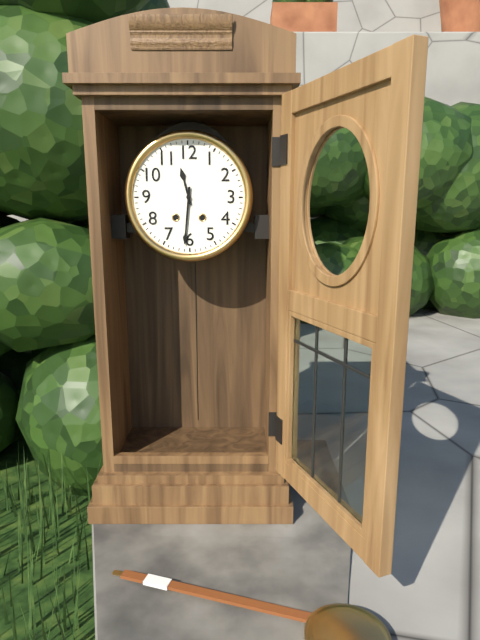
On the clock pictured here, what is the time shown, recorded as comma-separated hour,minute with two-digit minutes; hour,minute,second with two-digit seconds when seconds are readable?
11,31
